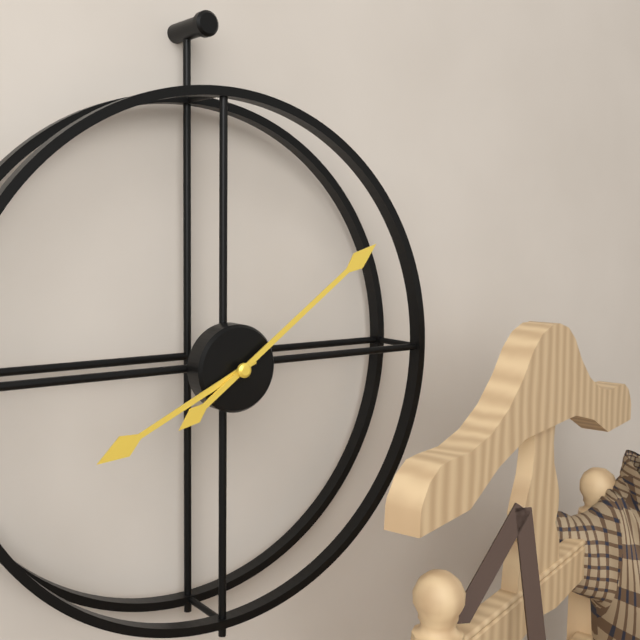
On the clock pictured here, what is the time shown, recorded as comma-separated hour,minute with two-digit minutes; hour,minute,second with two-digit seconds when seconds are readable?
8,09
